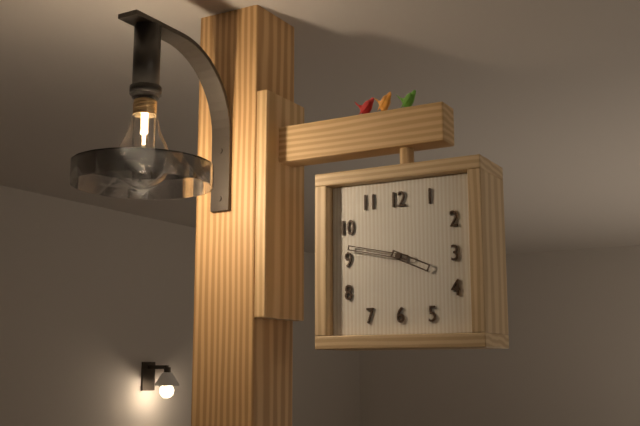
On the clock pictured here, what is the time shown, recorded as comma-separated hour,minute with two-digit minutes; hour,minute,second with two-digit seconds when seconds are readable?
3,47
